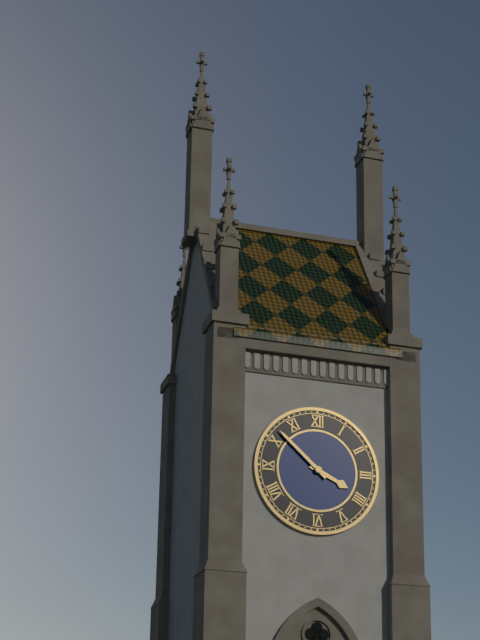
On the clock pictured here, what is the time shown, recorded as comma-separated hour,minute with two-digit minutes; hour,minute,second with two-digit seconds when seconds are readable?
3,52
